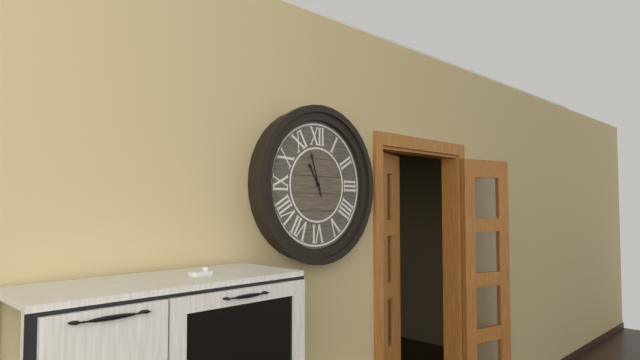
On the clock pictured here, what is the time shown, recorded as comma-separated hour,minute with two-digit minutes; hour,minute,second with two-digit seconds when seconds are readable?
10,57
